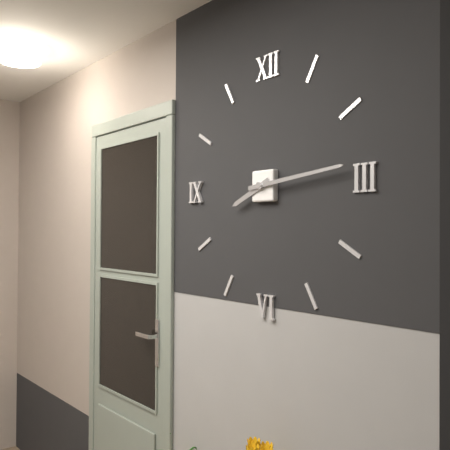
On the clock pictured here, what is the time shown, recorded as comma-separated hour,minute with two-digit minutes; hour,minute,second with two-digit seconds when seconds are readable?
8,14
